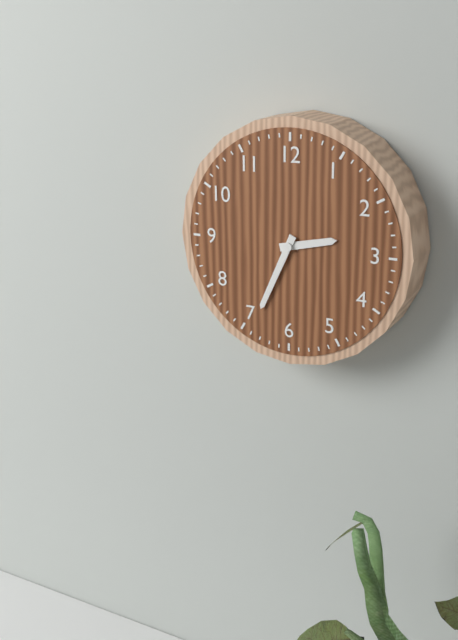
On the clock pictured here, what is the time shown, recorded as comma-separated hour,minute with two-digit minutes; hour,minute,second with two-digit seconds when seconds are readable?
2,34
